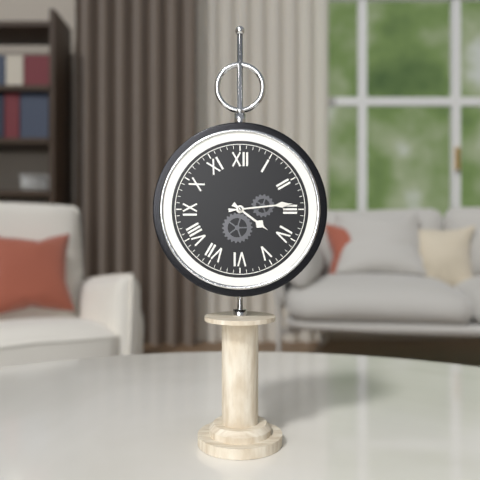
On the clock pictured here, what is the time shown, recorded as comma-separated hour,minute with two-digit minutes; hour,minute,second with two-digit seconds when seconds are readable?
4,14
